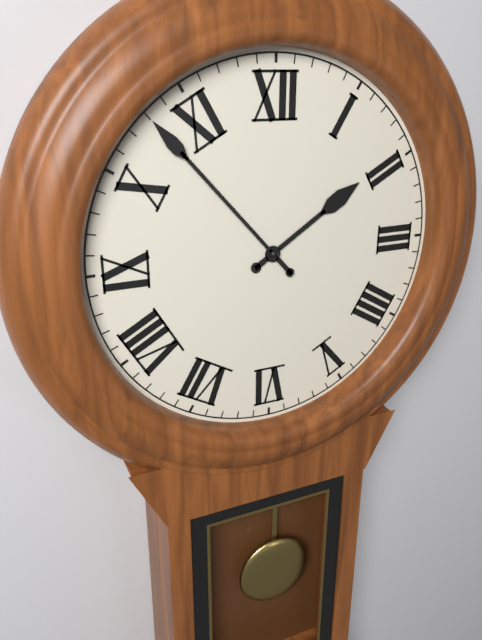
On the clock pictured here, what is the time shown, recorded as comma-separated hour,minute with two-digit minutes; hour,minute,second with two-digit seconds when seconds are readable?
1,53
